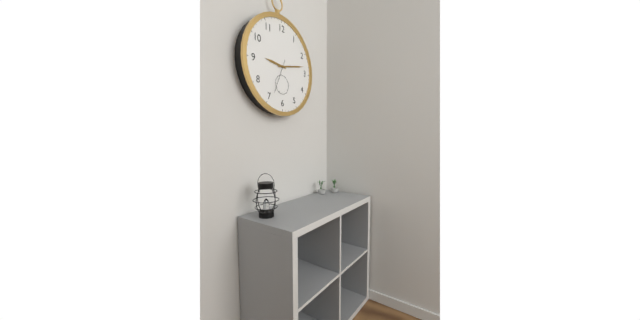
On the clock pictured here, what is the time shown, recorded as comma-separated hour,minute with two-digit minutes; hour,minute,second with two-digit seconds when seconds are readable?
9,13
